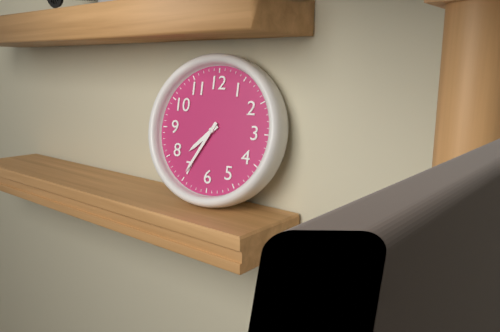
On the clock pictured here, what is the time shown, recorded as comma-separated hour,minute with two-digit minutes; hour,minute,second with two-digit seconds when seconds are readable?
7,35
